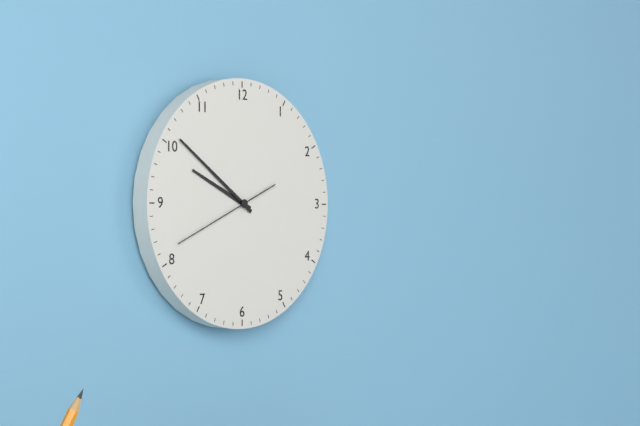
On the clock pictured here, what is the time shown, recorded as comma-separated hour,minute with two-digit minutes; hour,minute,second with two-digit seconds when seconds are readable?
9,51,41
